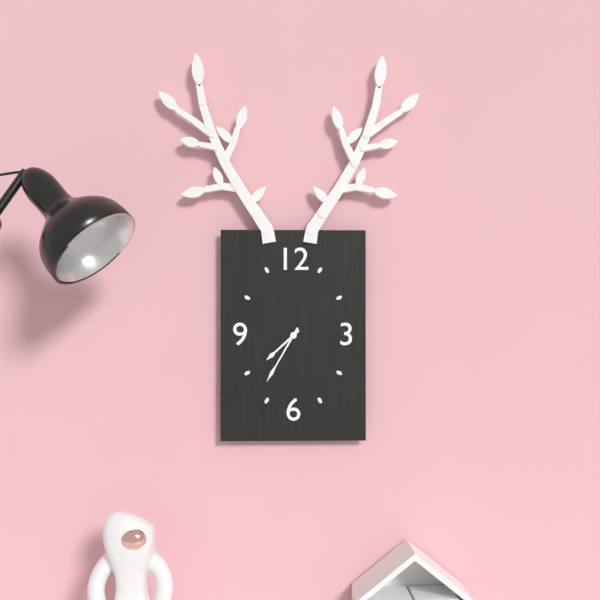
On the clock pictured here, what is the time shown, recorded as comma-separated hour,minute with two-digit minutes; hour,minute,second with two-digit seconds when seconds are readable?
7,35
